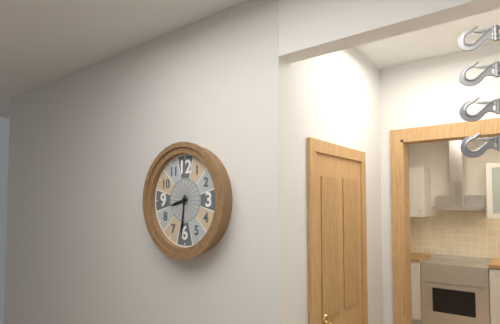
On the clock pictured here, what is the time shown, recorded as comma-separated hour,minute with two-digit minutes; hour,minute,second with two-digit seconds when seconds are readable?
8,31
